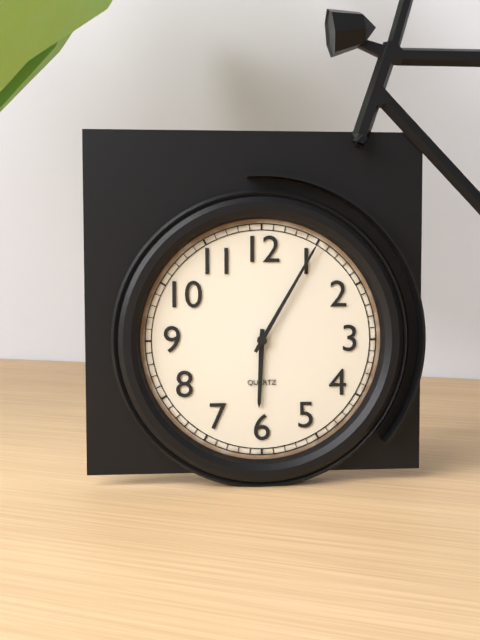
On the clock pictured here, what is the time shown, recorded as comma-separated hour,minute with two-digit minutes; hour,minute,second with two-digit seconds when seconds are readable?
6,05
